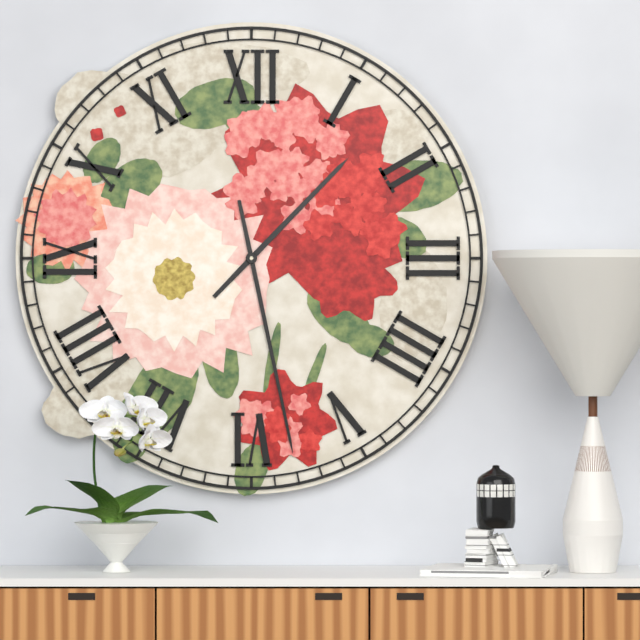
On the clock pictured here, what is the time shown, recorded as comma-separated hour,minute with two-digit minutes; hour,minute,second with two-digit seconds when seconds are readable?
1,28
